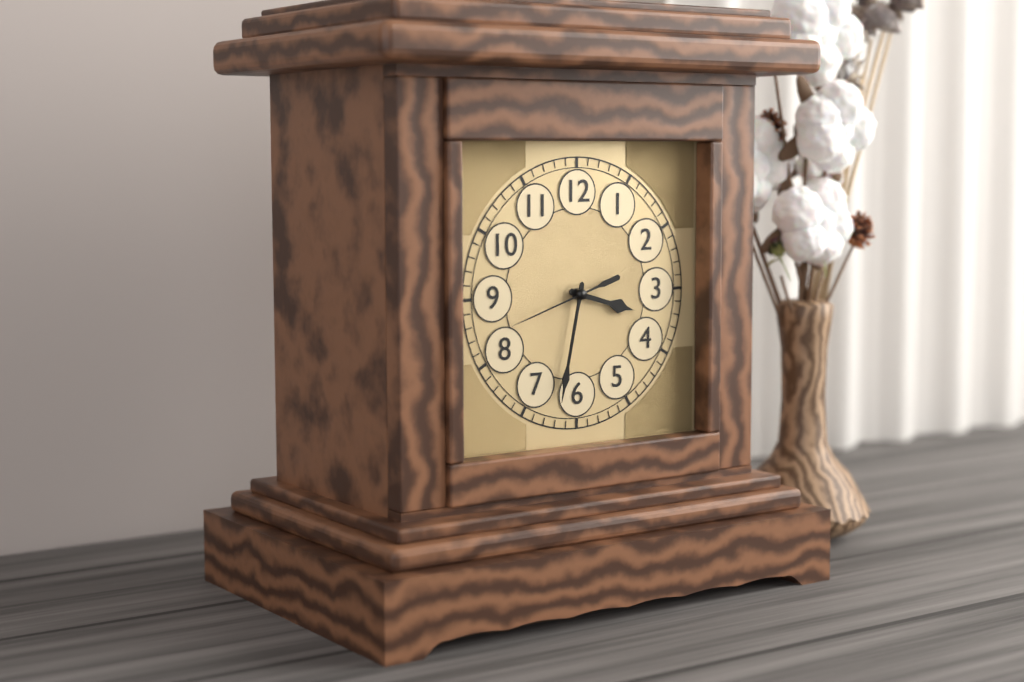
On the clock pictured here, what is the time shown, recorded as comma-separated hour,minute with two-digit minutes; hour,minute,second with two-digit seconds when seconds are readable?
3,32,42
